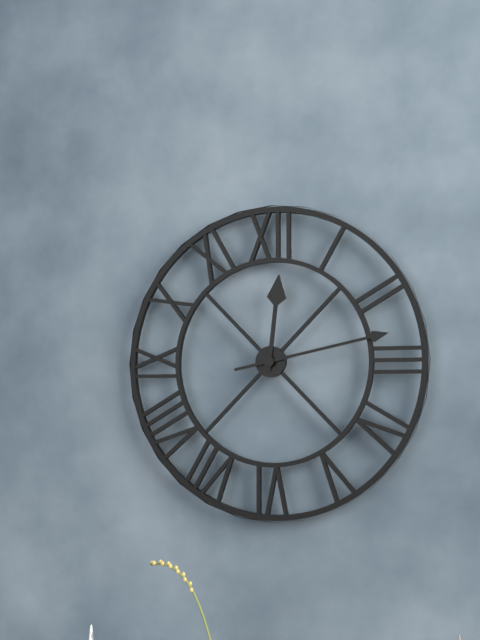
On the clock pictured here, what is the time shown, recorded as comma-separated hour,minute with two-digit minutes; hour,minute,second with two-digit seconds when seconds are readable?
12,13
